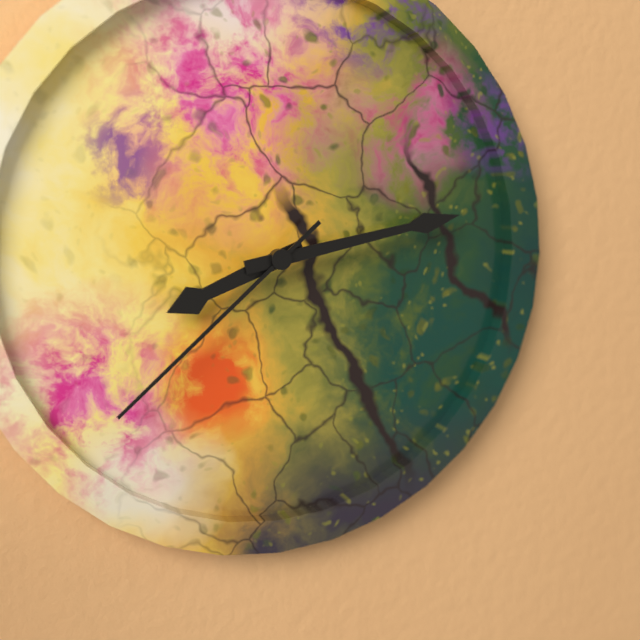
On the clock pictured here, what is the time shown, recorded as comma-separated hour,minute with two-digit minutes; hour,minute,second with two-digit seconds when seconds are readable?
8,13,38
